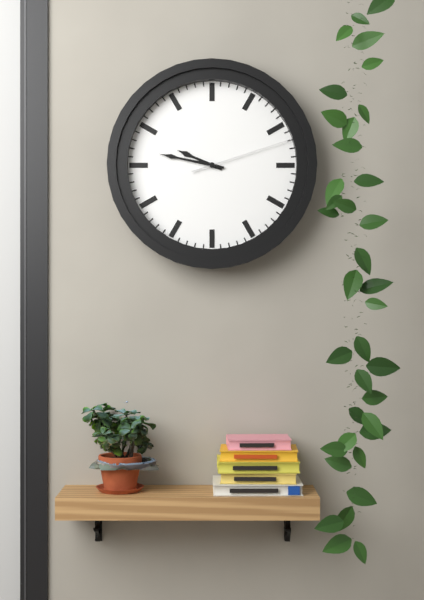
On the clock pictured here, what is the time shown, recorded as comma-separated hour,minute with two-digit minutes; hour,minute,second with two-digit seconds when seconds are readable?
9,47,12
